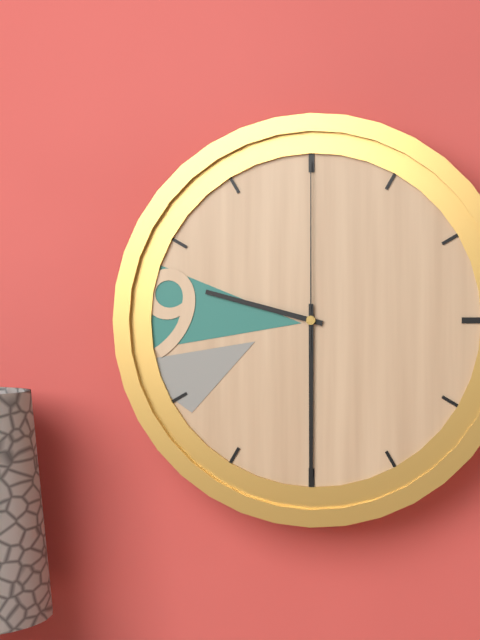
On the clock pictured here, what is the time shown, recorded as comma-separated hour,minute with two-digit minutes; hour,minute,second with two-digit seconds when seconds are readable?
9,30,00
